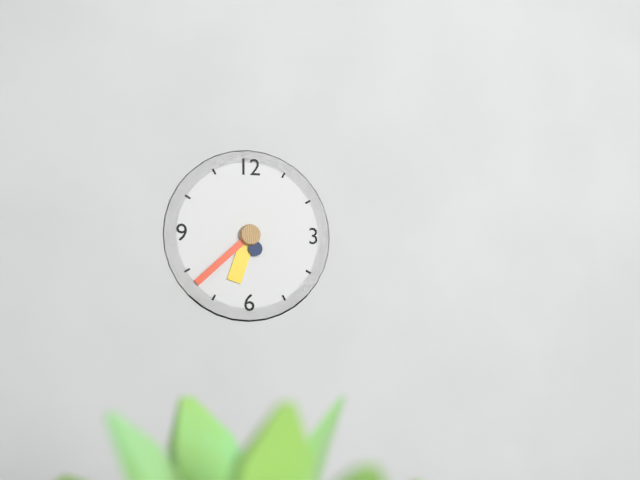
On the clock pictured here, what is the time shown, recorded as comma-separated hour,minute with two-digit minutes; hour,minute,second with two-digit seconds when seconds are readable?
6,38
